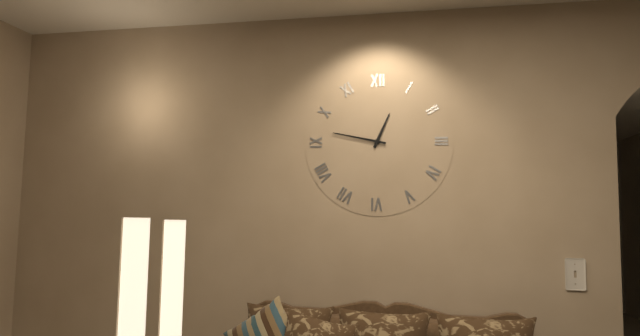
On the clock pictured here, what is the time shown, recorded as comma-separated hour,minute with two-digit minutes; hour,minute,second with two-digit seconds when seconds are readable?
12,47
